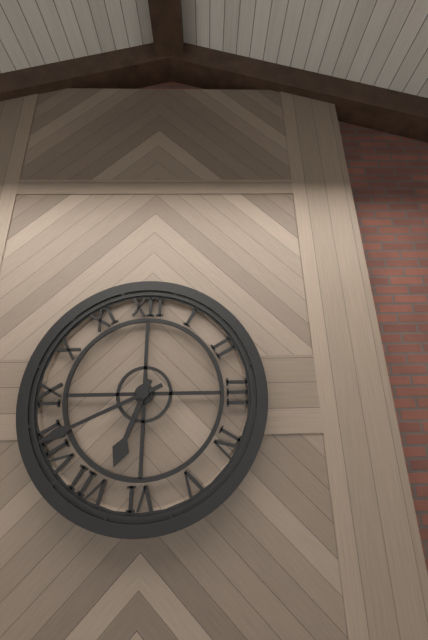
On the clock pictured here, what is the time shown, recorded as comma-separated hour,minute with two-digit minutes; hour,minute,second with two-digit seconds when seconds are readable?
6,41
